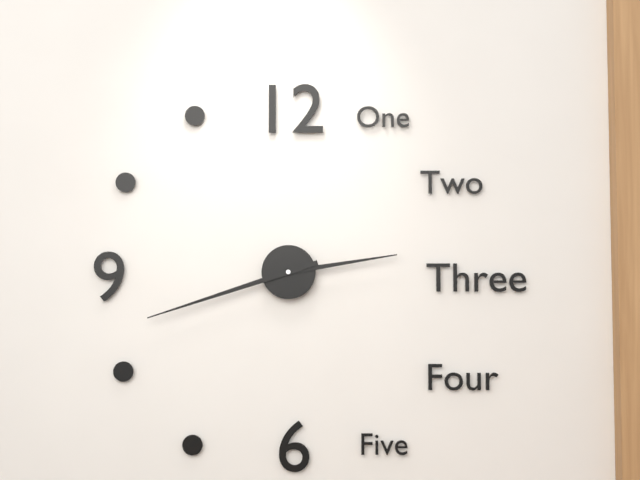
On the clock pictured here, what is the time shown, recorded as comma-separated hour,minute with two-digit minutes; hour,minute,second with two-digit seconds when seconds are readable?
2,42
